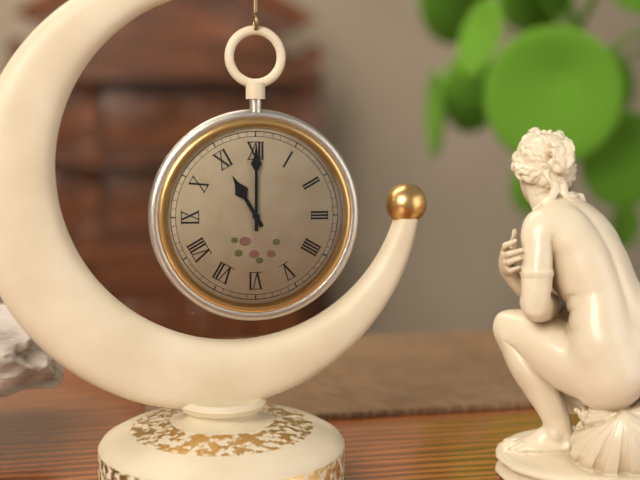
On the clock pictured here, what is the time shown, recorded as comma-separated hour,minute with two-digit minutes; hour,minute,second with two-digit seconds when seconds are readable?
11,00
